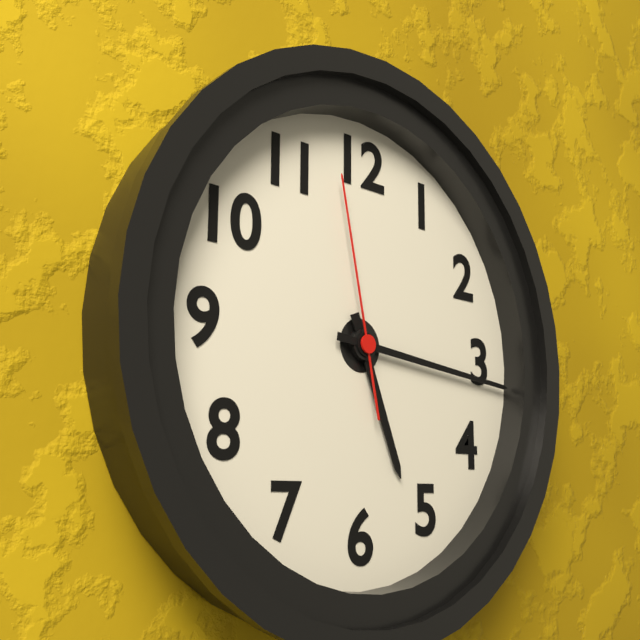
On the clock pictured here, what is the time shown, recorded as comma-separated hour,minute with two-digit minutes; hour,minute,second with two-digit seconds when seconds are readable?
5,16,58
